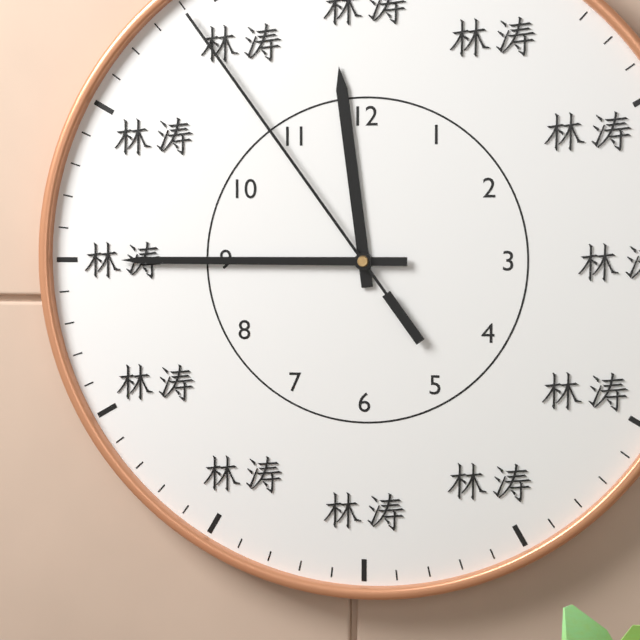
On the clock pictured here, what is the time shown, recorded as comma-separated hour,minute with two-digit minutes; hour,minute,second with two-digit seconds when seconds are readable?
11,45,54
